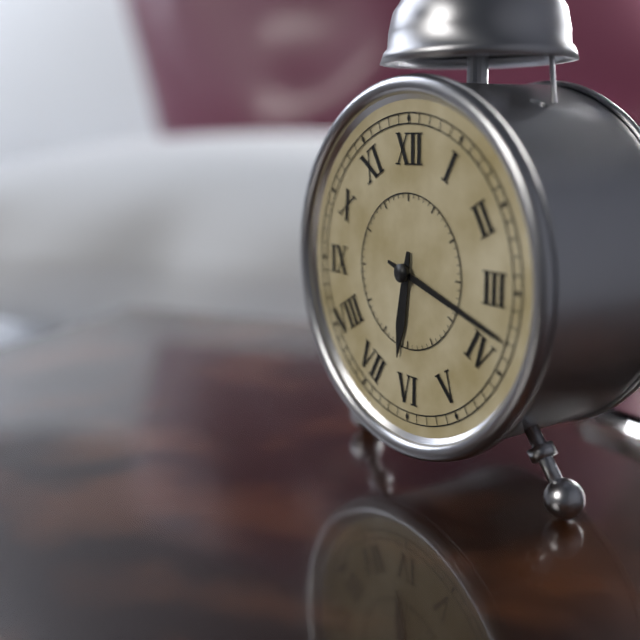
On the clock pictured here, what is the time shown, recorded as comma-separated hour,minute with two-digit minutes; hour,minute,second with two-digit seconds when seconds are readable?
6,18
